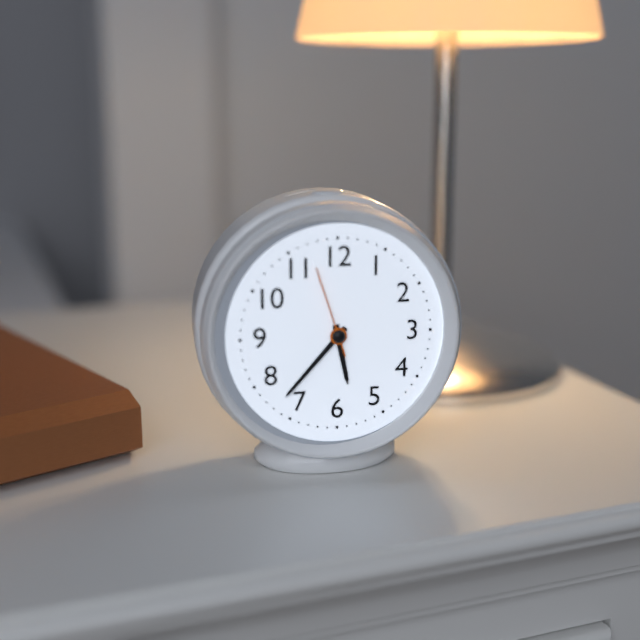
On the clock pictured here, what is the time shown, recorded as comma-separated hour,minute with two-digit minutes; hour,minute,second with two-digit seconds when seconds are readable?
5,37,57
